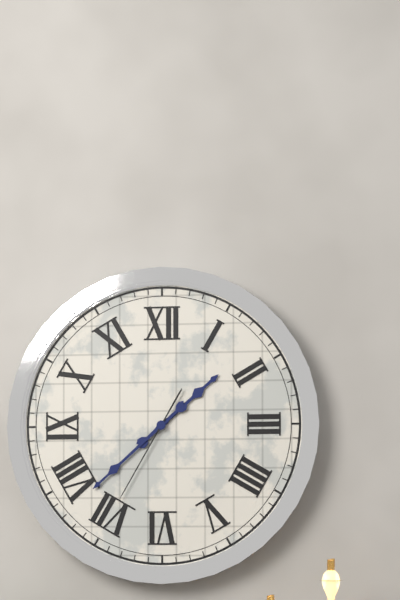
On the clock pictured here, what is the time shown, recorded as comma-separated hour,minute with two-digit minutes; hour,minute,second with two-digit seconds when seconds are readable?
1,38,35
